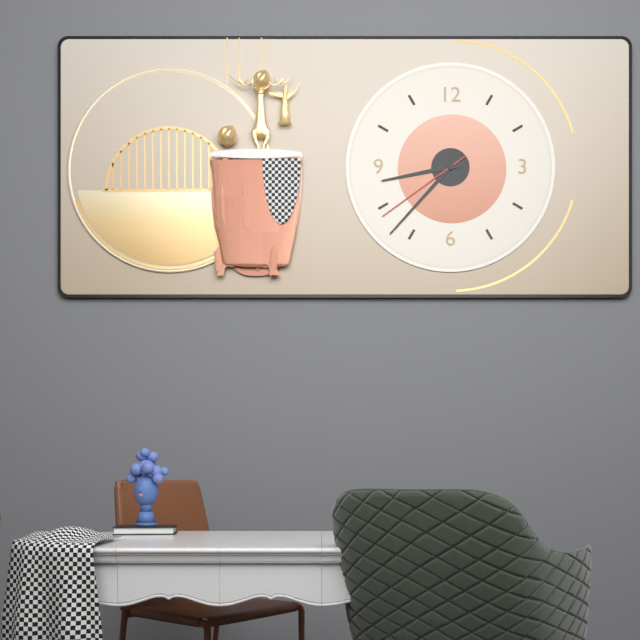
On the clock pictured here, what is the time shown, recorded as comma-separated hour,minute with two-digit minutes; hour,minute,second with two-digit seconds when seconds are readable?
8,37,39
